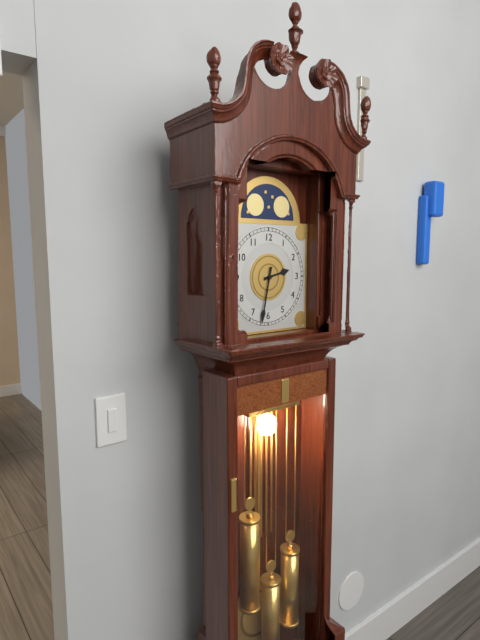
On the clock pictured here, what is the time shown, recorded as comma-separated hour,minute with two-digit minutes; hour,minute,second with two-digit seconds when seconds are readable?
2,32
